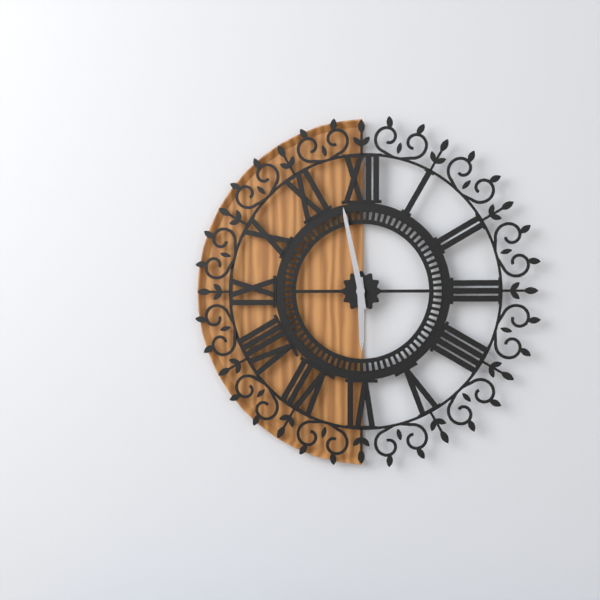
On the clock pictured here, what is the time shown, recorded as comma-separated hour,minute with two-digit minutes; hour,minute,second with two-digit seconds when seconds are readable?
5,58
